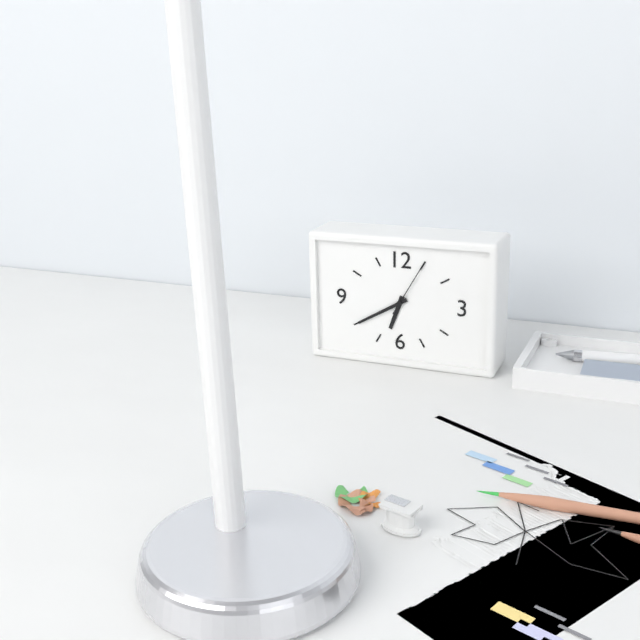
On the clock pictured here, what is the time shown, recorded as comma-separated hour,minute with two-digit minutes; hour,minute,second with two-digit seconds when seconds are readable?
6,40,05
